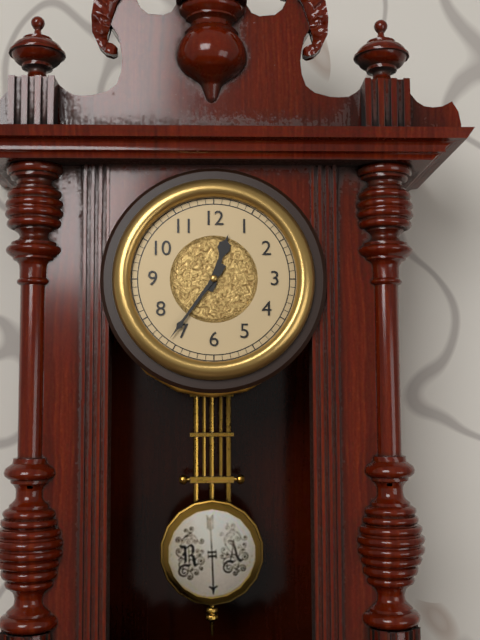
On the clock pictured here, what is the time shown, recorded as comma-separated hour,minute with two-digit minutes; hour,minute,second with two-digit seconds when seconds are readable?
12,36
